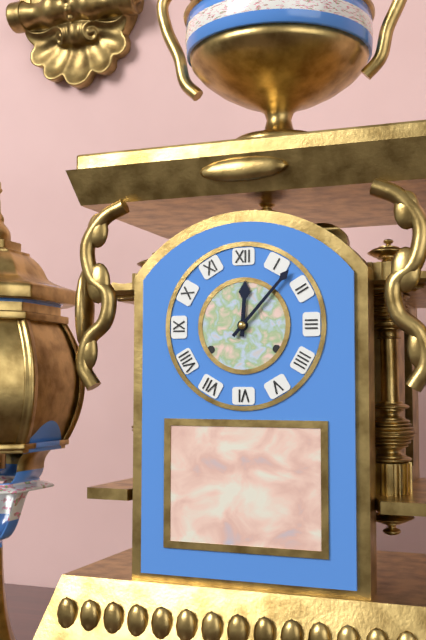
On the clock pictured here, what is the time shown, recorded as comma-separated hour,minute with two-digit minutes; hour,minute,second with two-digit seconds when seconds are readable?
12,07
